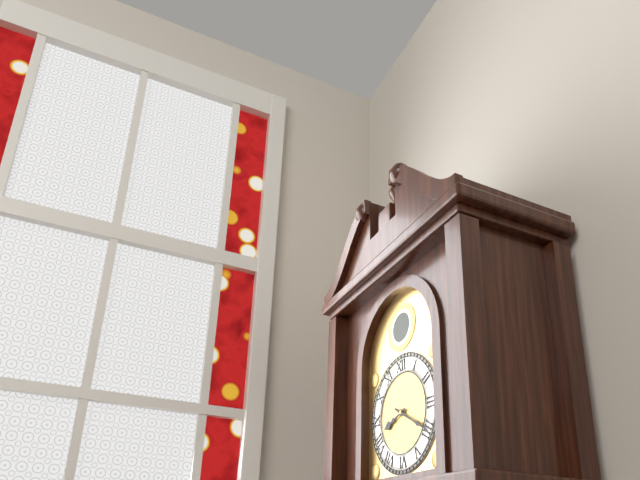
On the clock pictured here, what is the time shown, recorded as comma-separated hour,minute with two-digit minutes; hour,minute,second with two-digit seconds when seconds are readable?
8,20
